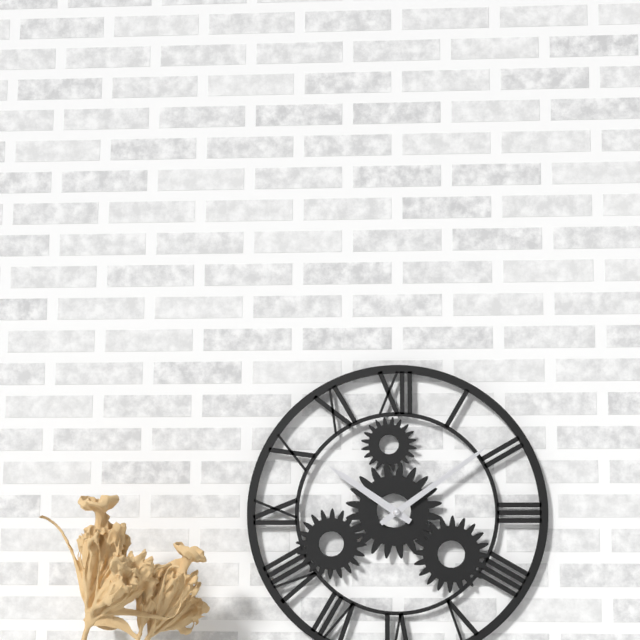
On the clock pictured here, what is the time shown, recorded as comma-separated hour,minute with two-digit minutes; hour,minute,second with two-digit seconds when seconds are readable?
10,09
